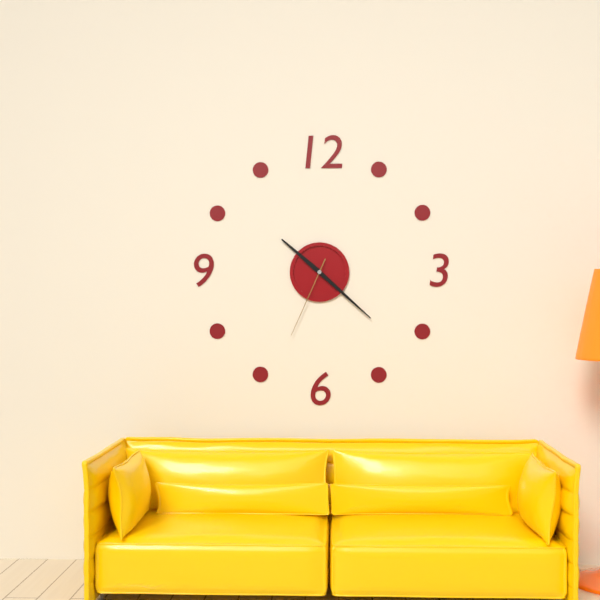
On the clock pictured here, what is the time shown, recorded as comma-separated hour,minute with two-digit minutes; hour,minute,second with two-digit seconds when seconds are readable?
10,22,34
